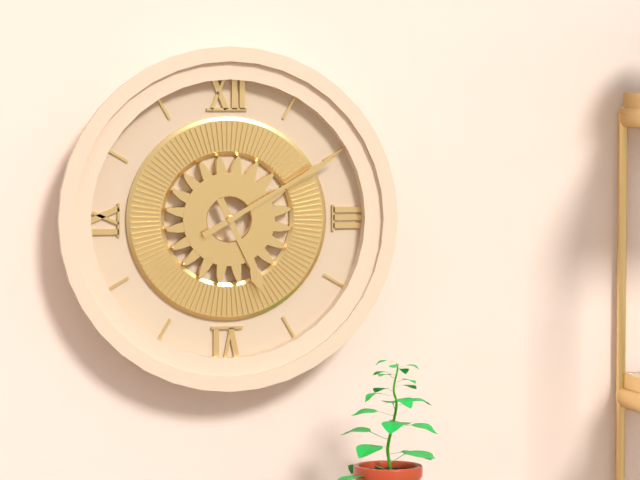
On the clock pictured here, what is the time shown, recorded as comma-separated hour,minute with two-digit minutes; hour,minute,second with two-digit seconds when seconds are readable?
5,10
